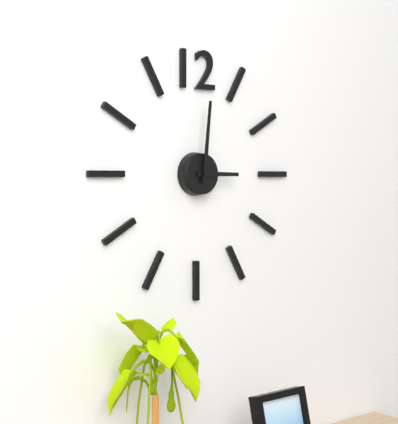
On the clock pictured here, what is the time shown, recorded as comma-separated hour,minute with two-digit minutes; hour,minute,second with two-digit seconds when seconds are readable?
3,01
